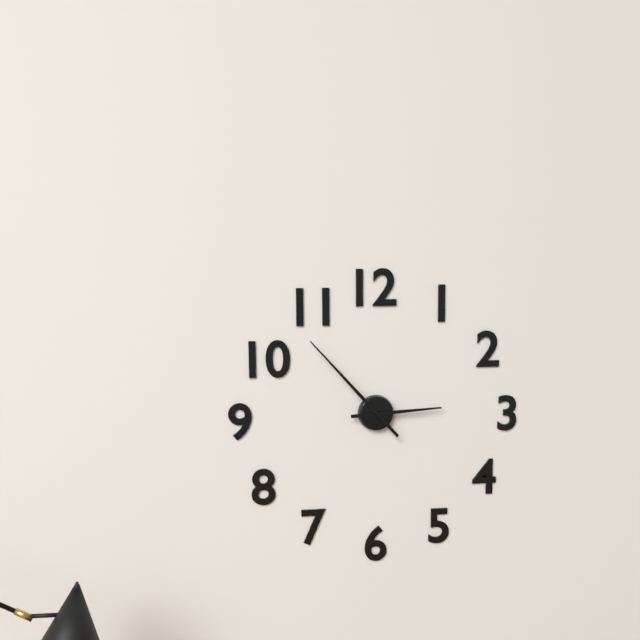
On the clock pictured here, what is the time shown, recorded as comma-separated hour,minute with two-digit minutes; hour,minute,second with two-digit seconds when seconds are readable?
2,53
